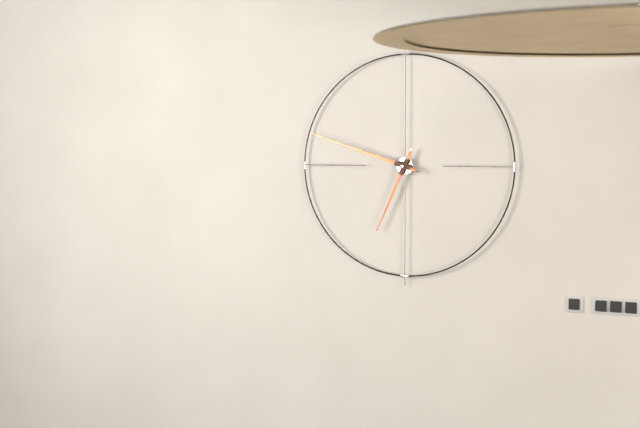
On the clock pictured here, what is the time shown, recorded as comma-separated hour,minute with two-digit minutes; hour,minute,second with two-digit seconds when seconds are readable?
6,48
